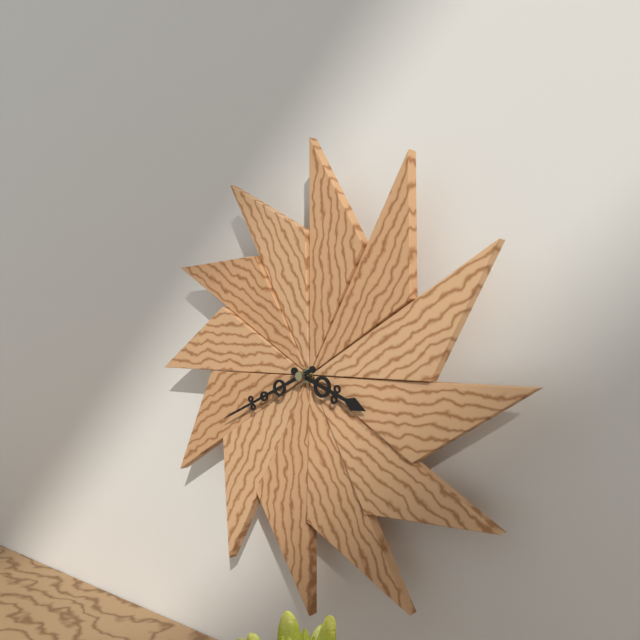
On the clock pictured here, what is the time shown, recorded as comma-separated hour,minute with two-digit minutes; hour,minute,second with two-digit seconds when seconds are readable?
3,41
